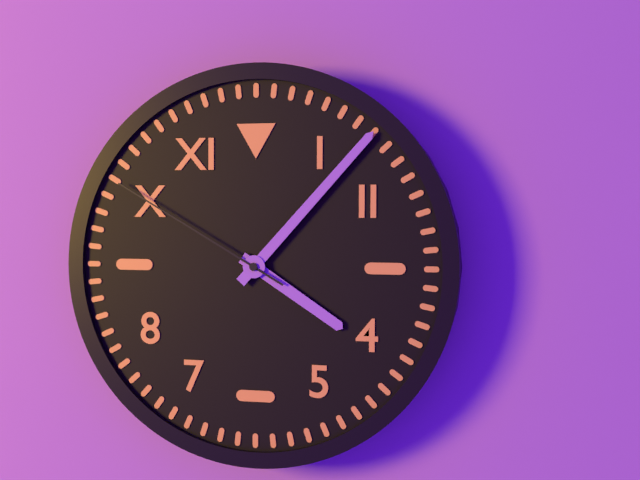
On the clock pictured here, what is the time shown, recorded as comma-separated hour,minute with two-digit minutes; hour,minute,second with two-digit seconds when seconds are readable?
4,07,50
